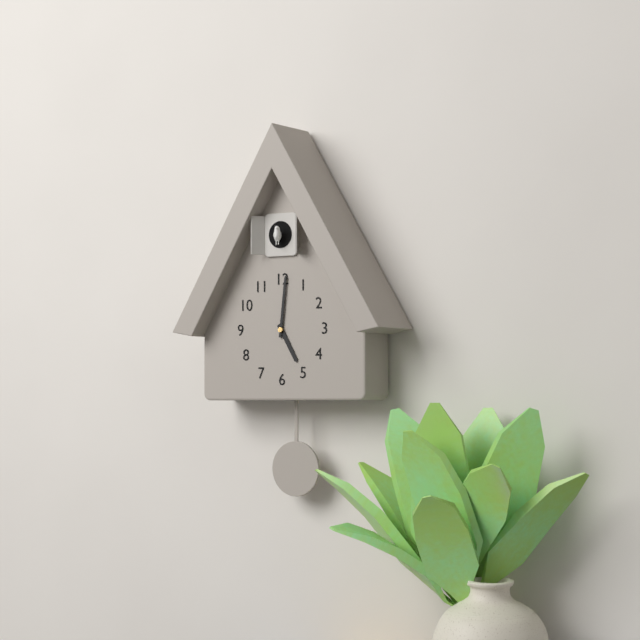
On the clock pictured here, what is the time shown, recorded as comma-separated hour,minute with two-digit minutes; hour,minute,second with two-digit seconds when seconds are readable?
5,01
